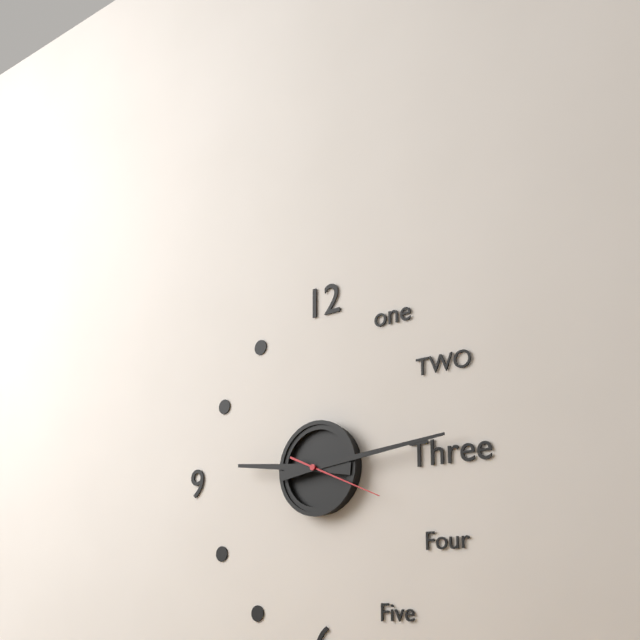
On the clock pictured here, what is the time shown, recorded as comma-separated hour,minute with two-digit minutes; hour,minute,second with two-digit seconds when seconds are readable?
9,14,19
